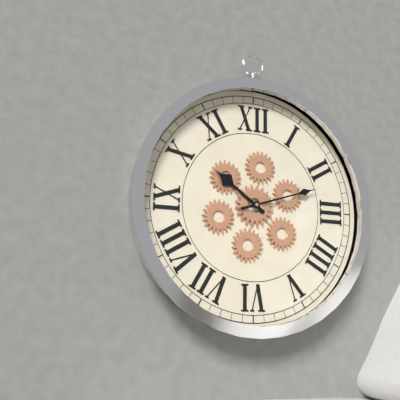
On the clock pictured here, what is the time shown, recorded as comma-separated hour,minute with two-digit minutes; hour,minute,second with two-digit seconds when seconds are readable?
10,12
